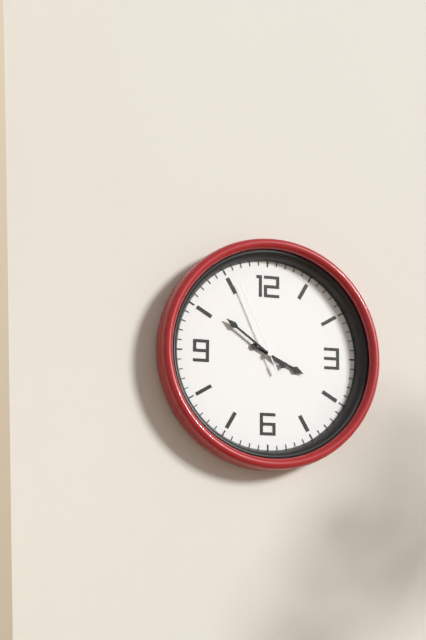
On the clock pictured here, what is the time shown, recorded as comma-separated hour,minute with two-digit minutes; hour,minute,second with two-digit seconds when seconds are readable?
3,51,56
